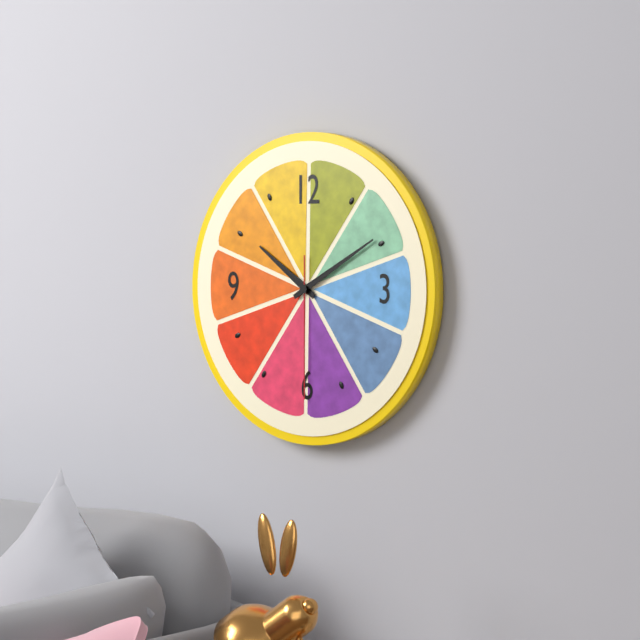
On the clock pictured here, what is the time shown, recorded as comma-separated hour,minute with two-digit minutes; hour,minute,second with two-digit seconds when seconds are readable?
10,10,30
